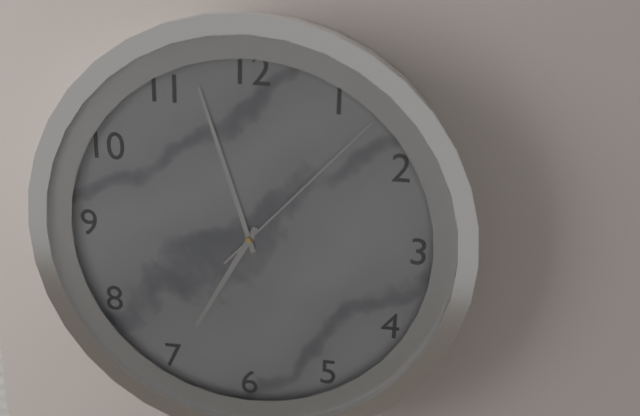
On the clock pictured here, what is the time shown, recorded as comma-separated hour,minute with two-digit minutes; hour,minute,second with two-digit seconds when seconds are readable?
6,57,07
